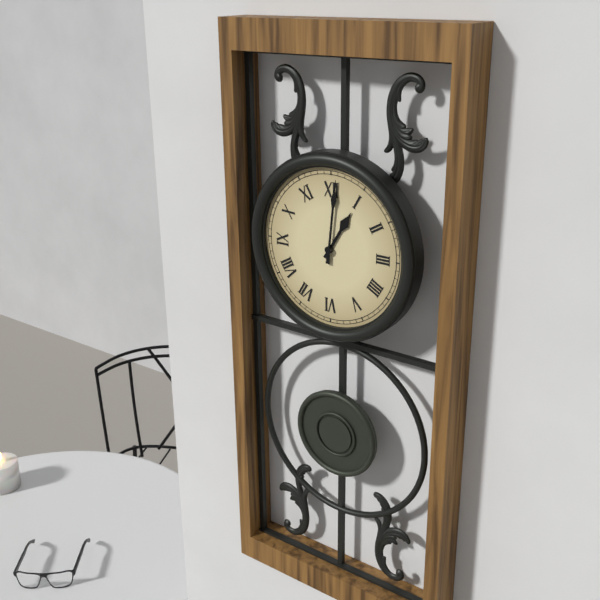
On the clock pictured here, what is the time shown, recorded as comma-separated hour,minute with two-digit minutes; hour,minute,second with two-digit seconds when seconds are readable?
1,01
